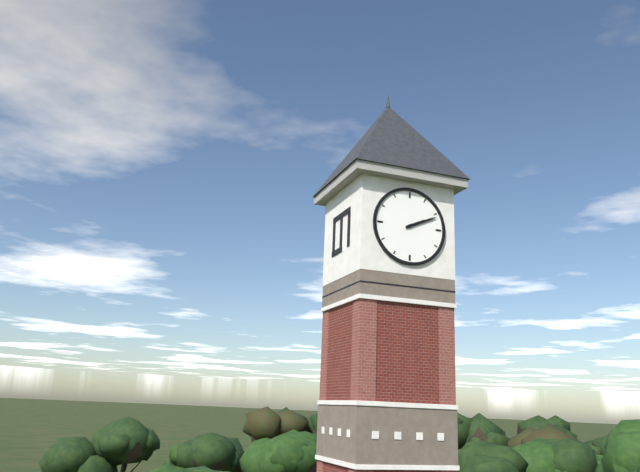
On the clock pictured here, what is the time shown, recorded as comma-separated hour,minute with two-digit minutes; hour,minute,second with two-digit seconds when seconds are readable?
2,11
